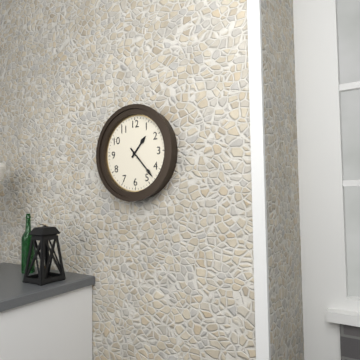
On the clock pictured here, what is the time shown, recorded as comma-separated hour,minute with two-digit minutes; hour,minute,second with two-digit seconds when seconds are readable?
1,23
